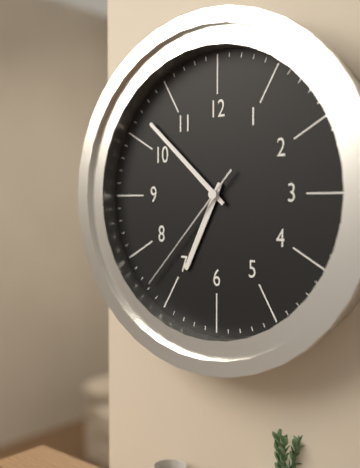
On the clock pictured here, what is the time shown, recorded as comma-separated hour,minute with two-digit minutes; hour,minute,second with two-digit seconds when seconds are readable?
6,52,37
